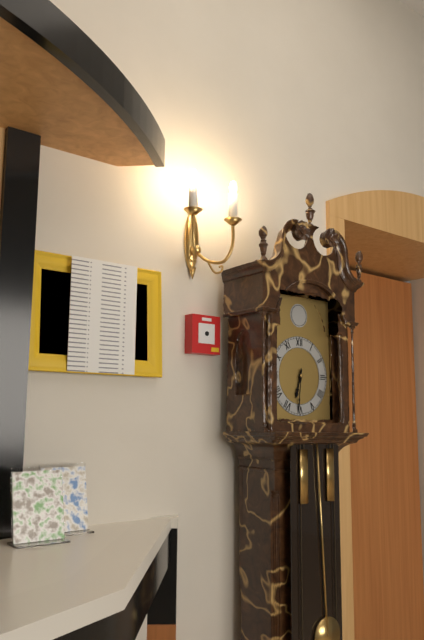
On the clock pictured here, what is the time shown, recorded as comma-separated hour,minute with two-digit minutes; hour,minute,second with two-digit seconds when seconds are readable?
6,31
